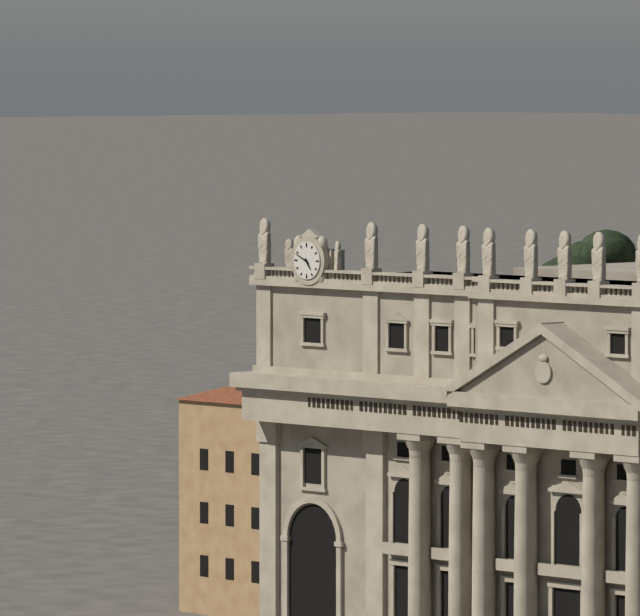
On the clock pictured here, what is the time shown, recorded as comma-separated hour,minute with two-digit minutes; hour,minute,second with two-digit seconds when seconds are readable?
4,49
